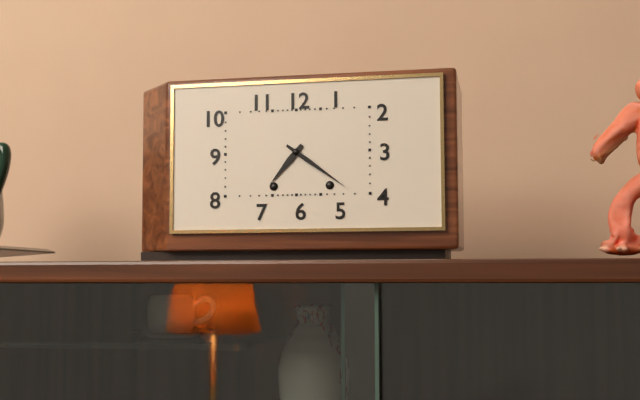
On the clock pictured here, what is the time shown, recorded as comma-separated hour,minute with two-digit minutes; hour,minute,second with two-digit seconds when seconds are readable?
7,21
